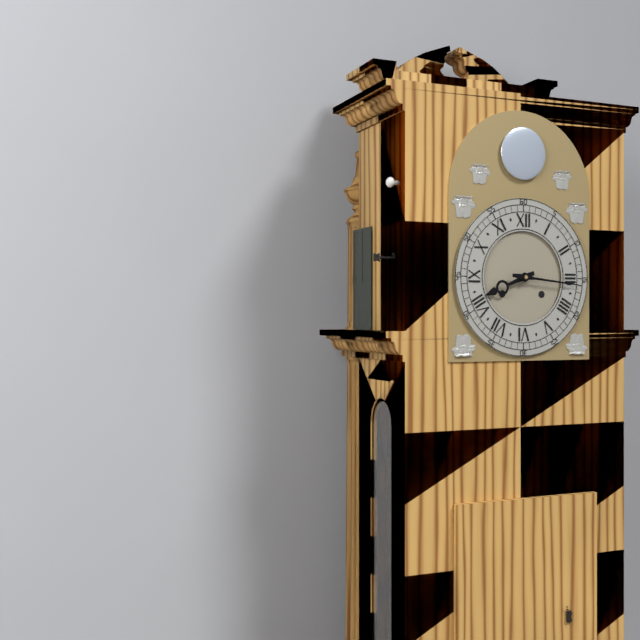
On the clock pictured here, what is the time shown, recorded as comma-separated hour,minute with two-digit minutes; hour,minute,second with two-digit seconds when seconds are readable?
8,16
